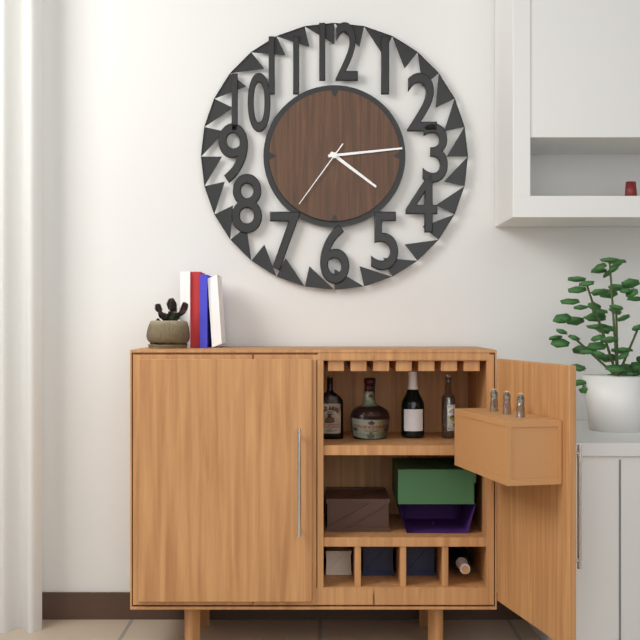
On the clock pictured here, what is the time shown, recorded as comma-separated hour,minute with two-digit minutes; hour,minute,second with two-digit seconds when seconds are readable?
4,14,36
